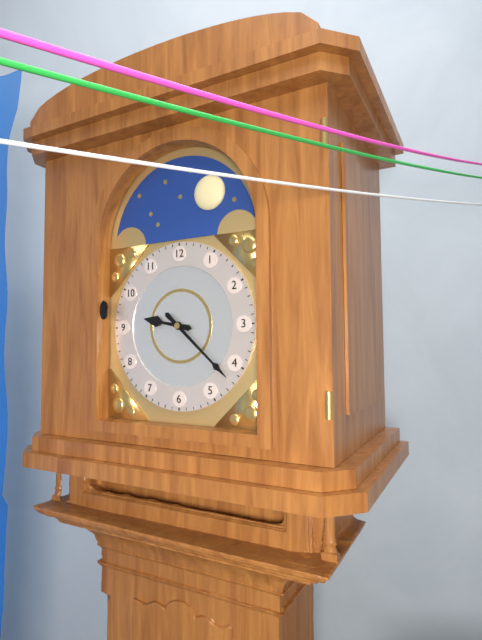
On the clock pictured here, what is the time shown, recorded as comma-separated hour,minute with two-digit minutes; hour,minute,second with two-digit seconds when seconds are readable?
9,22
